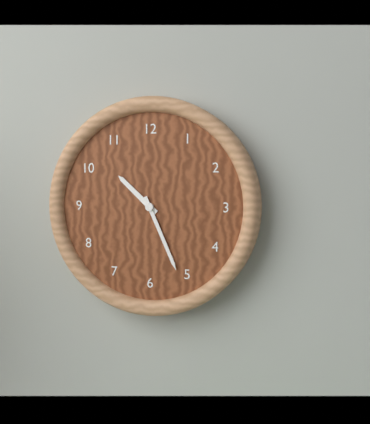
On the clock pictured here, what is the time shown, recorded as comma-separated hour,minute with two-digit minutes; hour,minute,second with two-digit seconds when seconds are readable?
10,26
